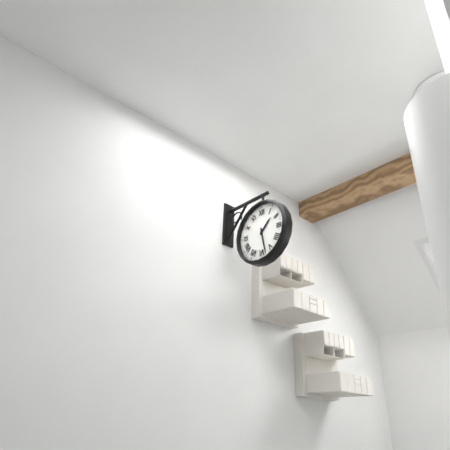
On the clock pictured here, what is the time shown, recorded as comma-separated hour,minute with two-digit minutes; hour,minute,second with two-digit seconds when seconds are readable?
1,28
